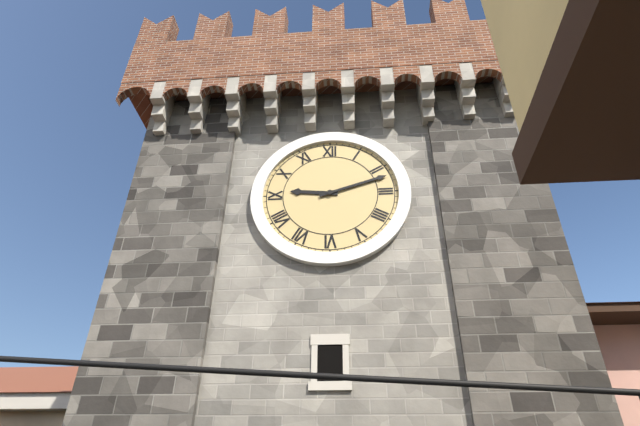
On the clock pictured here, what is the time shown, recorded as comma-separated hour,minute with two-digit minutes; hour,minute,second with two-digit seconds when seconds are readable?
9,12
